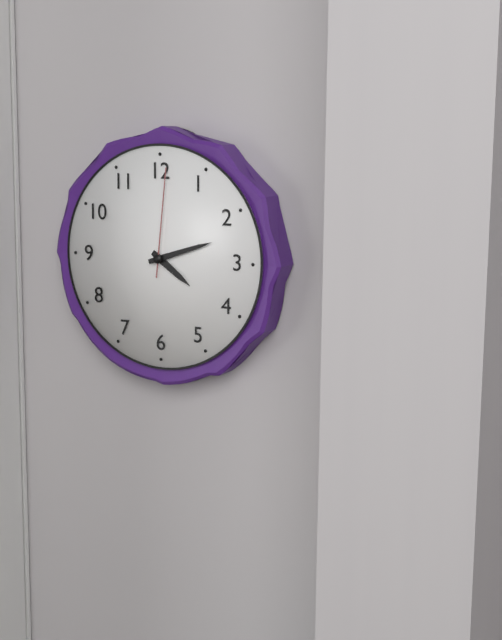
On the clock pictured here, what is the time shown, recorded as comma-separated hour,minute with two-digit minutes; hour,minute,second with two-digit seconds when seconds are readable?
4,12,01
